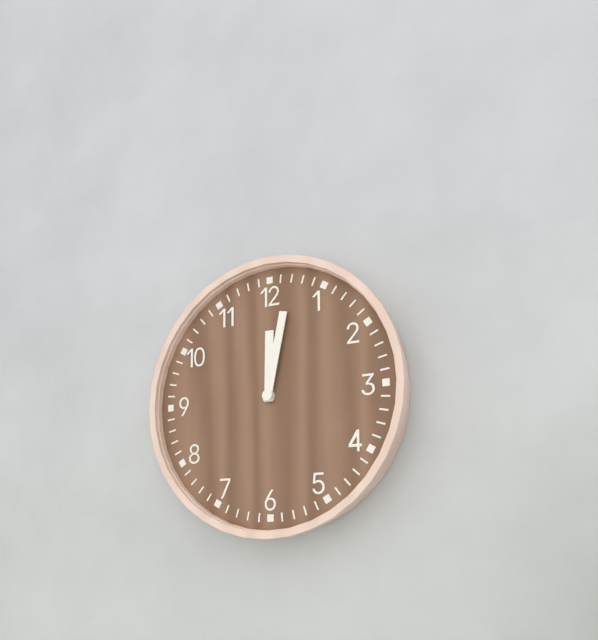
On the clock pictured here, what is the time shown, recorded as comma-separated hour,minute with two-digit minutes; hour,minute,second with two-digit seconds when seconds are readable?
12,02
